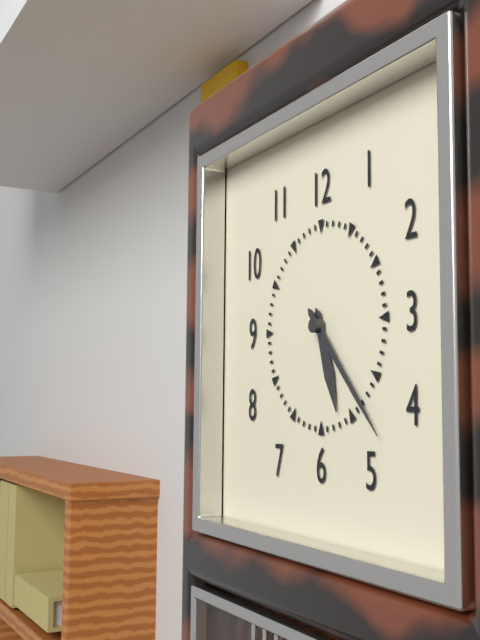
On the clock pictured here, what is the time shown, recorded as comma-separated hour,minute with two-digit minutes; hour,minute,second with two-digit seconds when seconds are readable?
5,23
